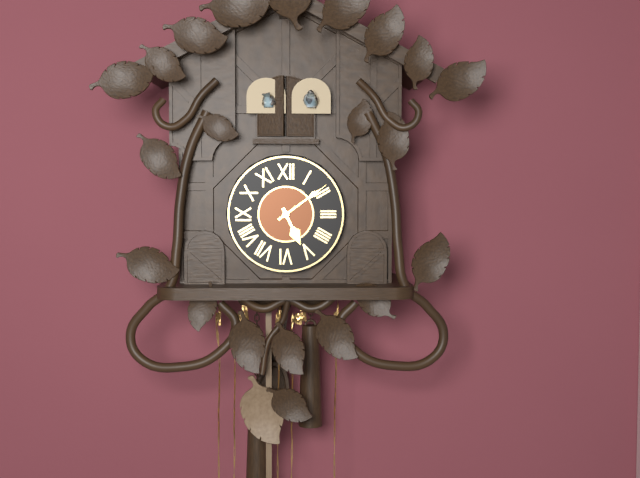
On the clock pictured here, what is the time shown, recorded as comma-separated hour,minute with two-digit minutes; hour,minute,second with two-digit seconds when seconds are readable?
5,09
